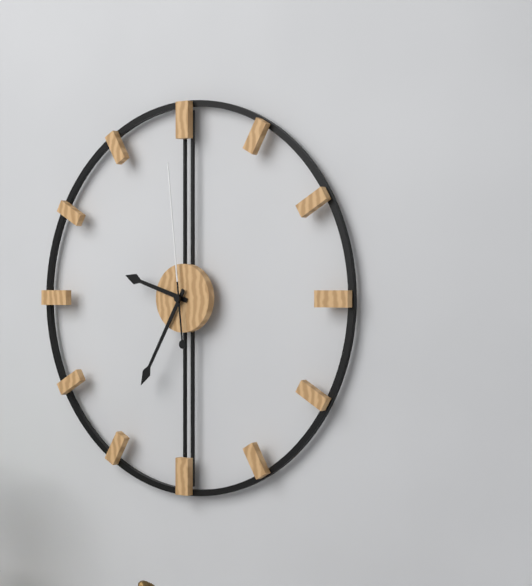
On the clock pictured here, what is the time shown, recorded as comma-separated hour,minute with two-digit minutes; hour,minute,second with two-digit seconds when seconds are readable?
9,35,59
